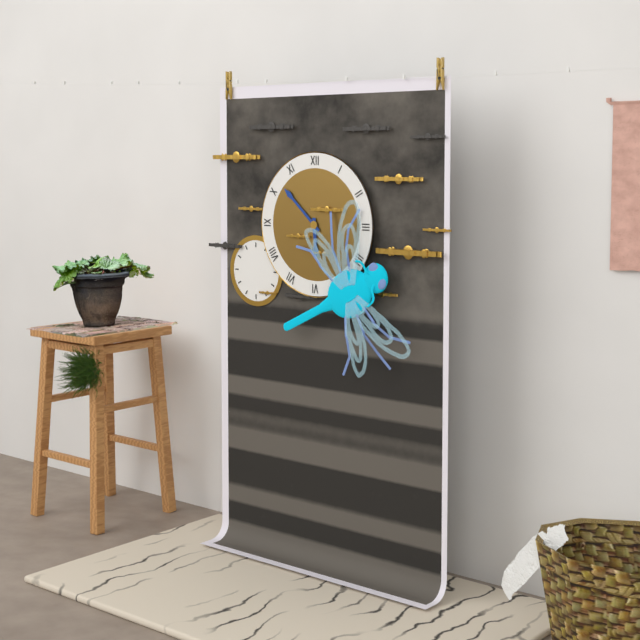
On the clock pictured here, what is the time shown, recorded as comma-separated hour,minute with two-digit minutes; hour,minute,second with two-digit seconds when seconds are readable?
5,52
